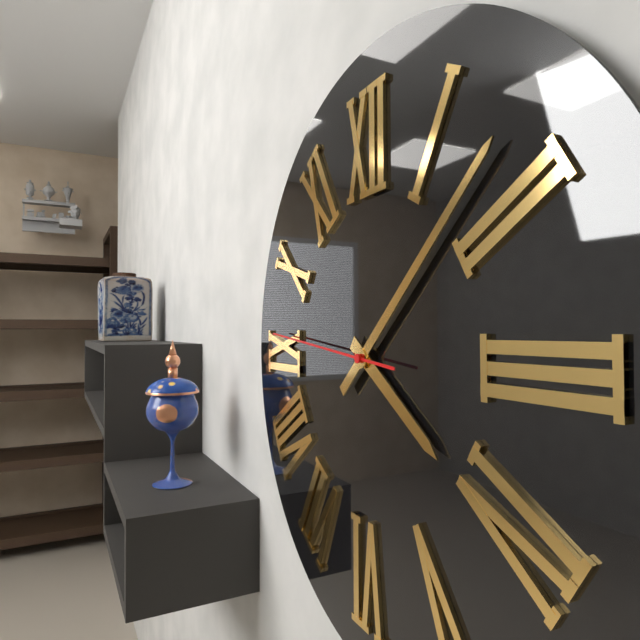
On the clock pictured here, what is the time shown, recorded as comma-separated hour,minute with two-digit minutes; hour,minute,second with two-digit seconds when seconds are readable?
4,08,46
